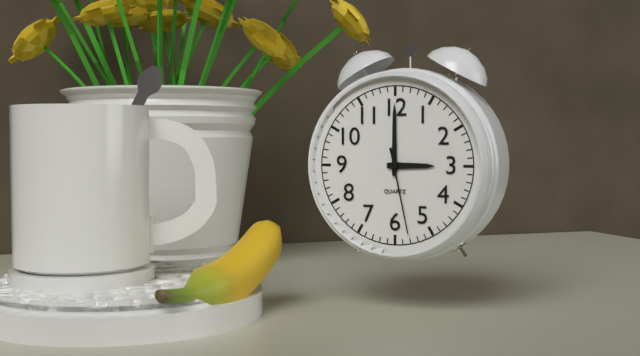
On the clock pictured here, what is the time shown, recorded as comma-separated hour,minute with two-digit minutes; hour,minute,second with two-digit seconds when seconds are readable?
3,00,28
